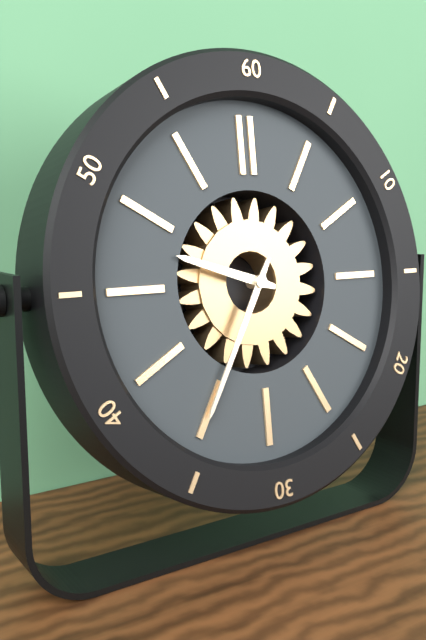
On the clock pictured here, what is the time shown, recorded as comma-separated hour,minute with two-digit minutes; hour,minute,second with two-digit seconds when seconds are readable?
9,35
